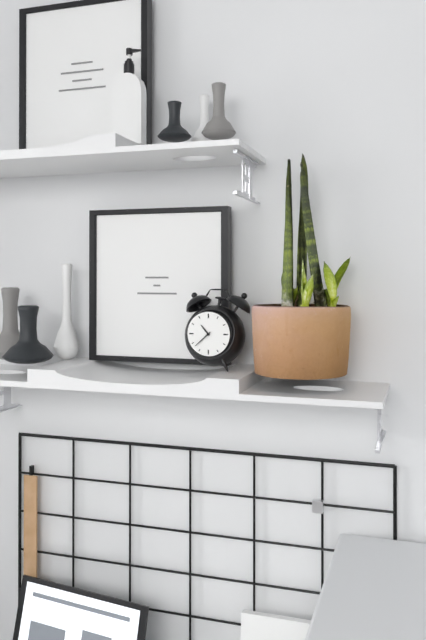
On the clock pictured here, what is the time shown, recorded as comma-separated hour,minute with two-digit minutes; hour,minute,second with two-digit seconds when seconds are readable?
10,38
